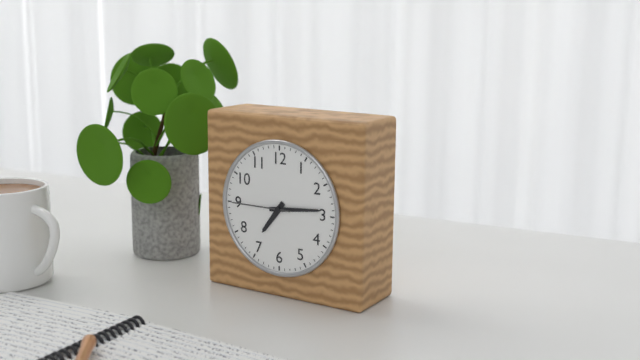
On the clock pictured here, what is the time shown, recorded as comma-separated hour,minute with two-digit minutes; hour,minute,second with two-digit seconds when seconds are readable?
7,14,45
